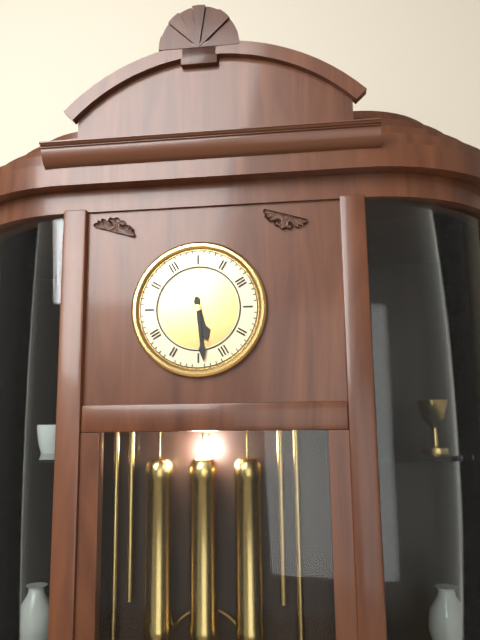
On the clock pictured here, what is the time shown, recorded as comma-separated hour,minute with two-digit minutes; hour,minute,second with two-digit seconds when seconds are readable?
5,29
